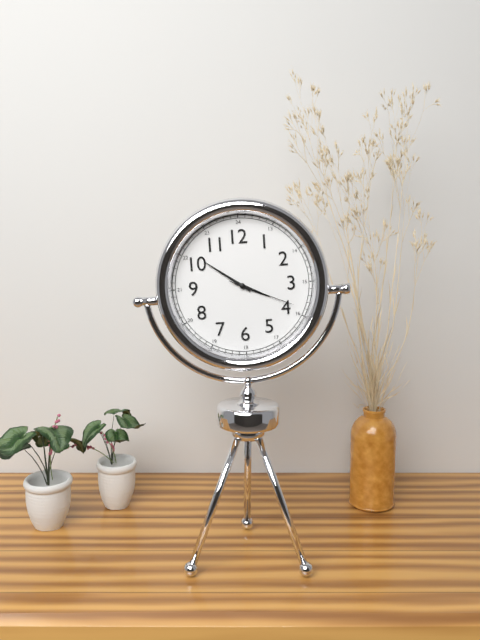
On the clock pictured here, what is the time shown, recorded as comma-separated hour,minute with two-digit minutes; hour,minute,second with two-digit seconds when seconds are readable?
3,51,19
